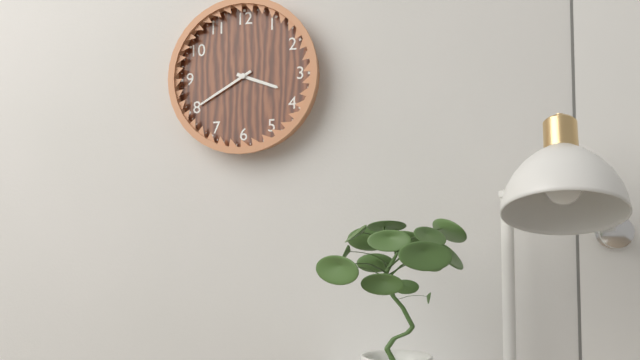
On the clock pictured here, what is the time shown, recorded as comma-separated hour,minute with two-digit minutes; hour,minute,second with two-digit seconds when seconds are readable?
3,40
